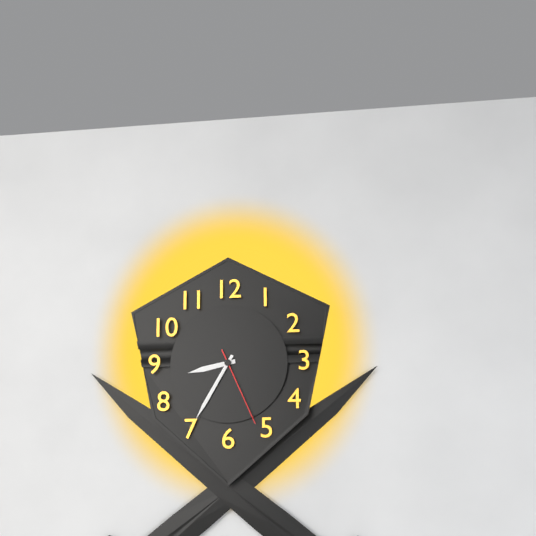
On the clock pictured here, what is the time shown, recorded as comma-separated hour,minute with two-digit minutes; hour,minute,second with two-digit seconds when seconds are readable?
8,35,26
